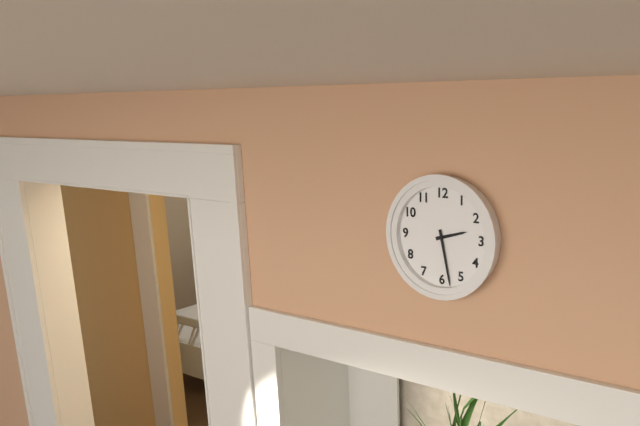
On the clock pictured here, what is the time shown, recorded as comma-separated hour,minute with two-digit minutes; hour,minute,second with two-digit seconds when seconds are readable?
2,28
